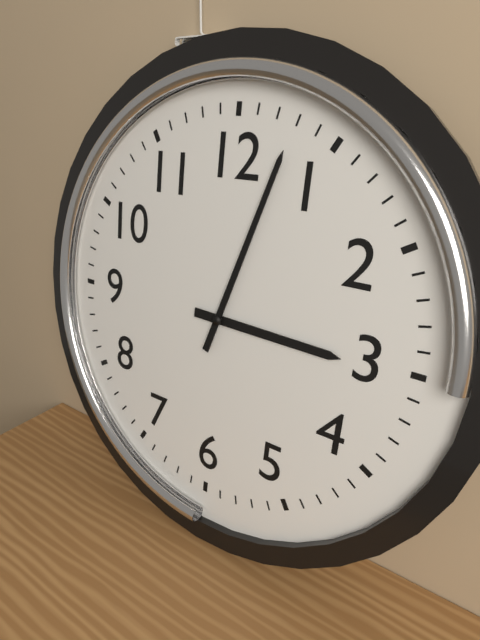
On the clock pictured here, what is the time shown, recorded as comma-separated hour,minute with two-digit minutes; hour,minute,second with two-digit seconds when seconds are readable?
3,03
